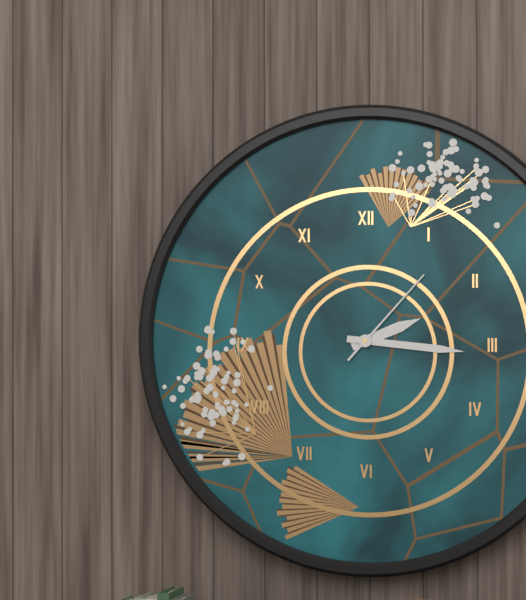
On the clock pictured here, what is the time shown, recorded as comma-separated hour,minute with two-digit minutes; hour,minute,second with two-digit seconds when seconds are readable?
2,16,07
